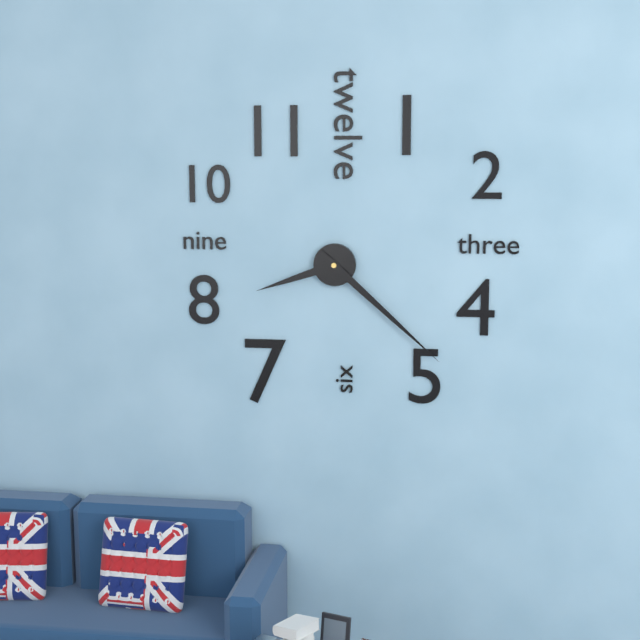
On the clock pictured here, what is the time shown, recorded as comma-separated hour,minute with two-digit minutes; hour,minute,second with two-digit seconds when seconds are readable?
8,22
